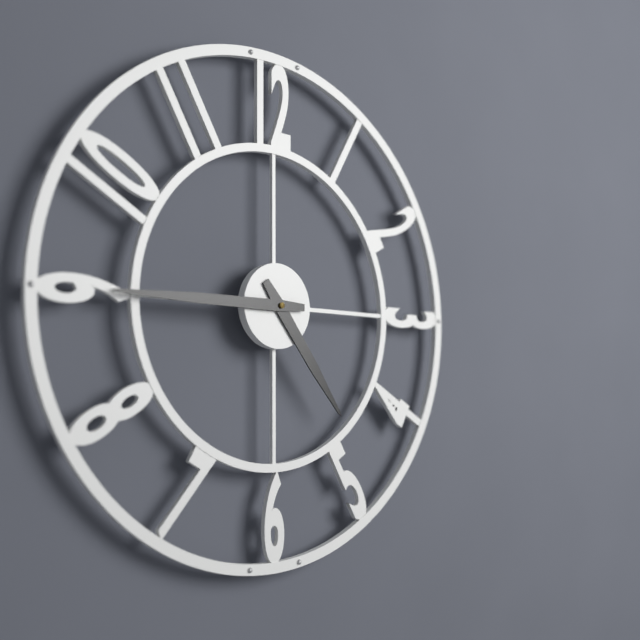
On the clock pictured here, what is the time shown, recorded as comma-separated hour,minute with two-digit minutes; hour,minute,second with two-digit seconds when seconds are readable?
4,45
